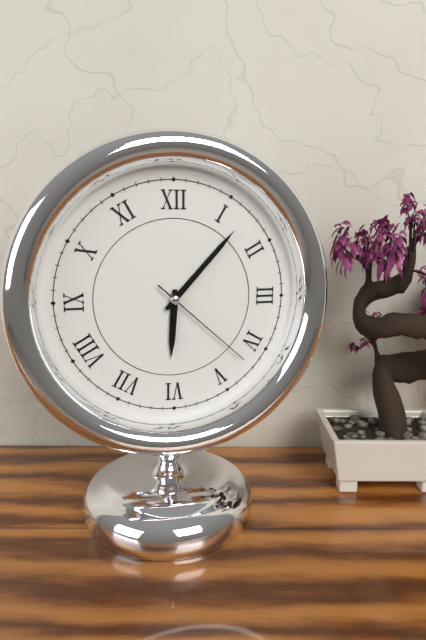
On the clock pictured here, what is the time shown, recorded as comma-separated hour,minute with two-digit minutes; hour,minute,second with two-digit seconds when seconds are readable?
6,07,22
